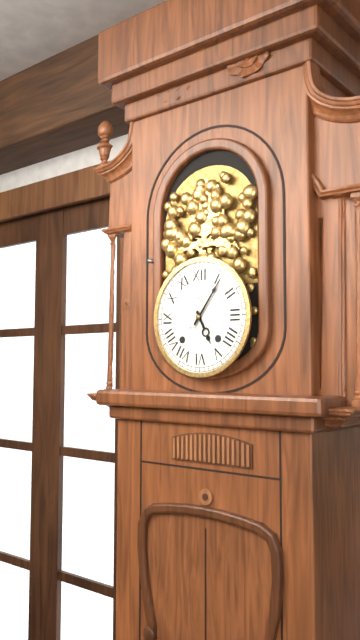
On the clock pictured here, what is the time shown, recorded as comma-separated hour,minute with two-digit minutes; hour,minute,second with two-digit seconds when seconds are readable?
5,06
